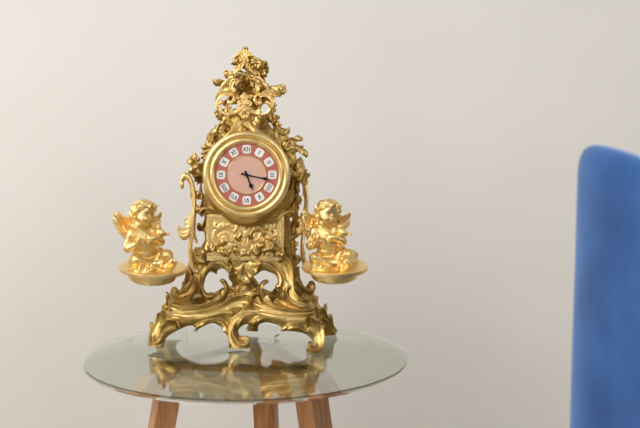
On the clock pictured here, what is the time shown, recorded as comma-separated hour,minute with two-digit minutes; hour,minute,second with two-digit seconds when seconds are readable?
5,17
